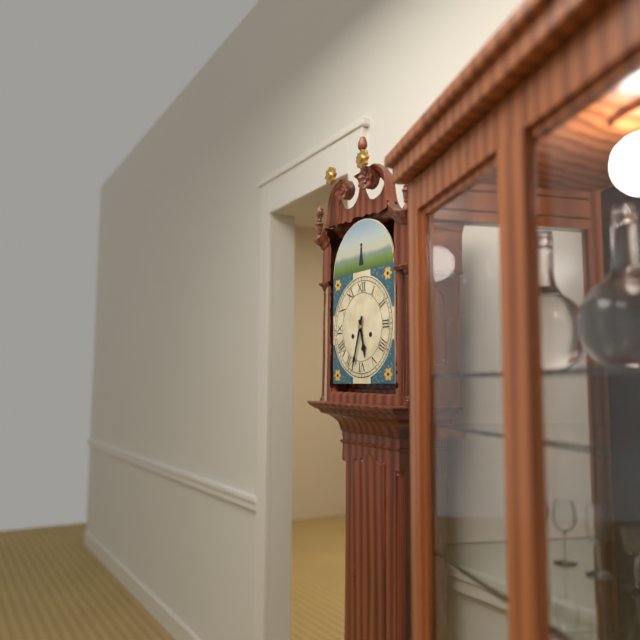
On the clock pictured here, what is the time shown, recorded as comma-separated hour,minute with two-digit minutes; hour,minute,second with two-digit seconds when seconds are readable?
5,33
